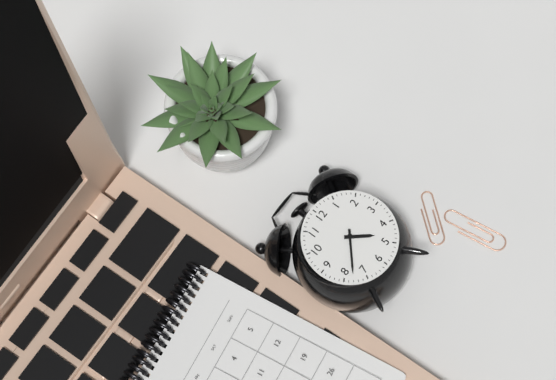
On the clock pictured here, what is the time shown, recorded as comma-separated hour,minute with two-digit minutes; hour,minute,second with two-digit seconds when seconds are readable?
4,38
